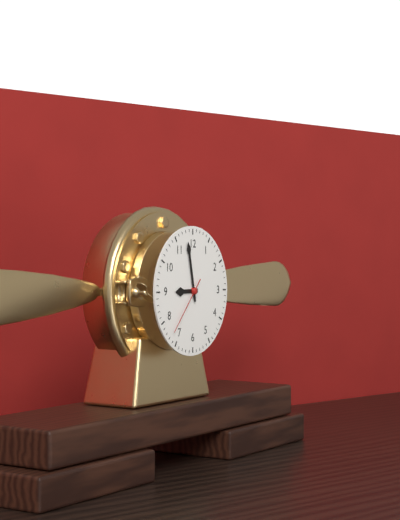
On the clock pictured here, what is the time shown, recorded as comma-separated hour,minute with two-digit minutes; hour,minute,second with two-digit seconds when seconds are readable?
8,58,37
